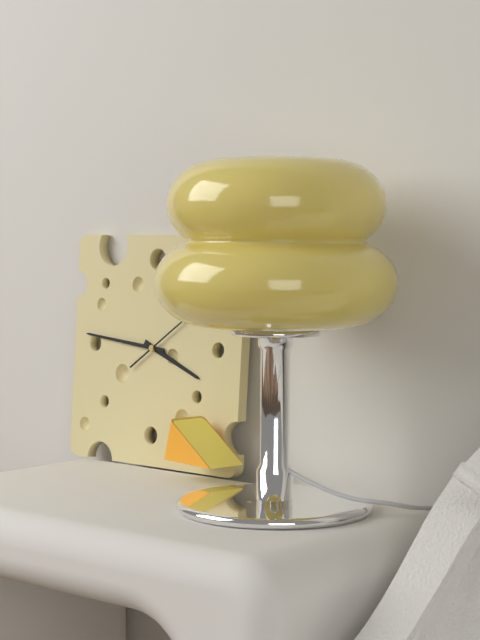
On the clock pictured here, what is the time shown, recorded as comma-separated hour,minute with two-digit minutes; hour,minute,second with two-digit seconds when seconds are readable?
3,46
